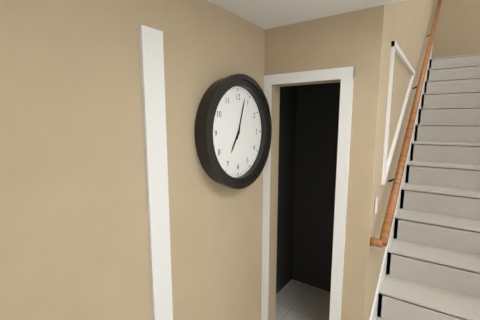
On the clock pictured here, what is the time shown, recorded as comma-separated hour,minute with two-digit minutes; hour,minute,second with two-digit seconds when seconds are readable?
7,03
